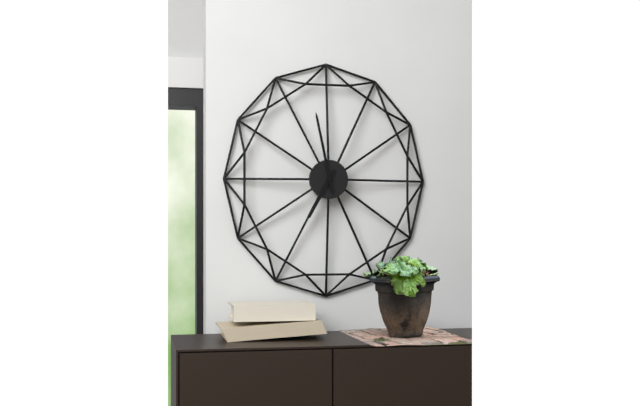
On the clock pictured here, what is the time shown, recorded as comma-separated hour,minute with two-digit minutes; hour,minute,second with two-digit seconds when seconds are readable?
6,58
